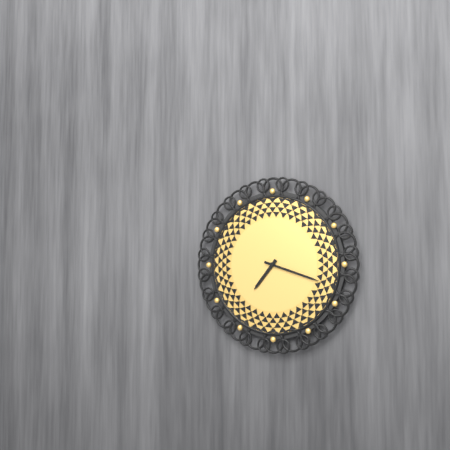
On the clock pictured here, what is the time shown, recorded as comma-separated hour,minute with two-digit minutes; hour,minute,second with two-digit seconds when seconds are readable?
7,18
